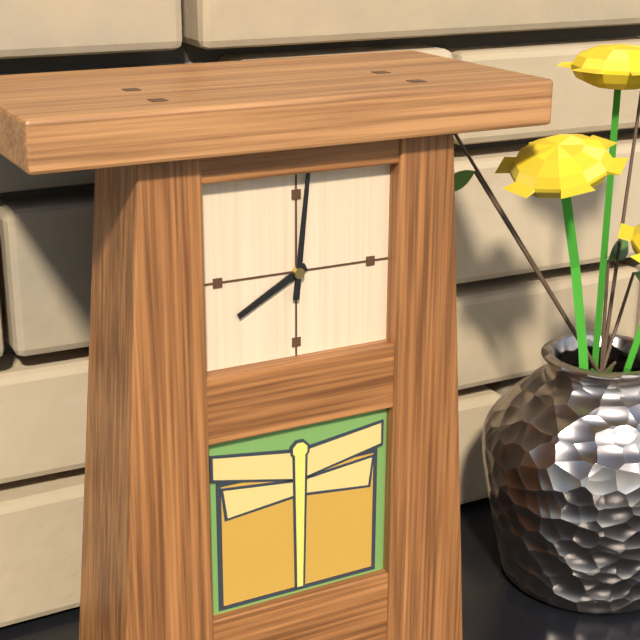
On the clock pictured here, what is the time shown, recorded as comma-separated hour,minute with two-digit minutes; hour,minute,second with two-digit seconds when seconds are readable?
8,01
